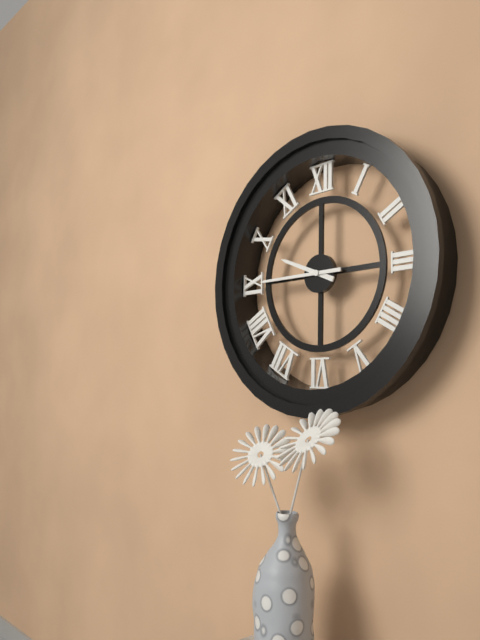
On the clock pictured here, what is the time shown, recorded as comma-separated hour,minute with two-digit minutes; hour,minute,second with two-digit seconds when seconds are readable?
9,45
